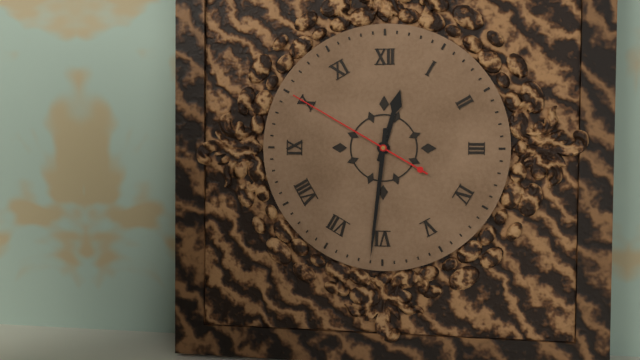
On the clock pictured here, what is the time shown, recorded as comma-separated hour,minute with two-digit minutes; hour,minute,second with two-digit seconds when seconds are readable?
12,31,50
